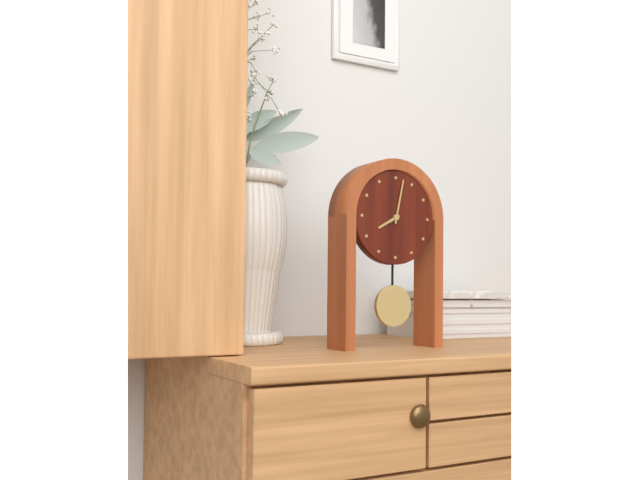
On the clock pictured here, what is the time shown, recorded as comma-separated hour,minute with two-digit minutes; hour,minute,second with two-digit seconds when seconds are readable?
8,02
